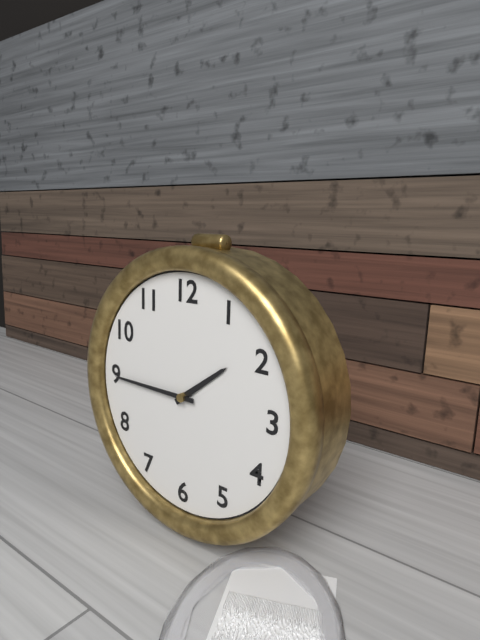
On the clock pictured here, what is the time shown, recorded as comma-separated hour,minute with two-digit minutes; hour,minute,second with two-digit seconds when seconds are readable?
1,45
